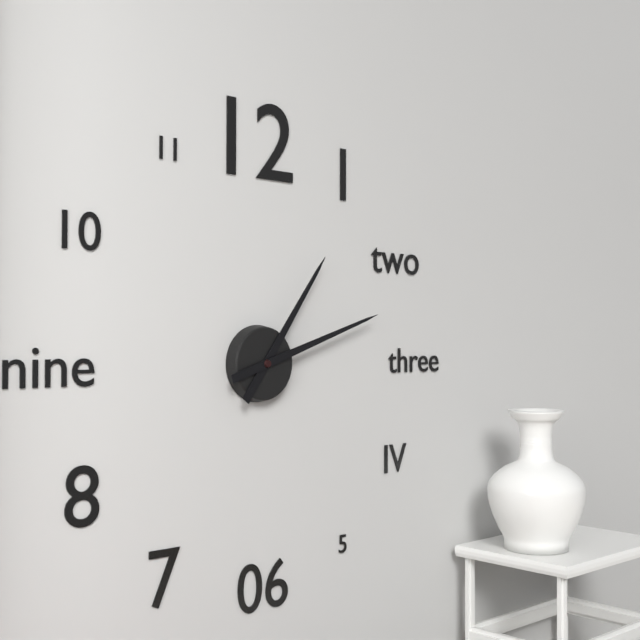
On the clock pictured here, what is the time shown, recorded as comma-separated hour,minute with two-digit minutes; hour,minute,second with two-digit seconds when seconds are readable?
1,12
